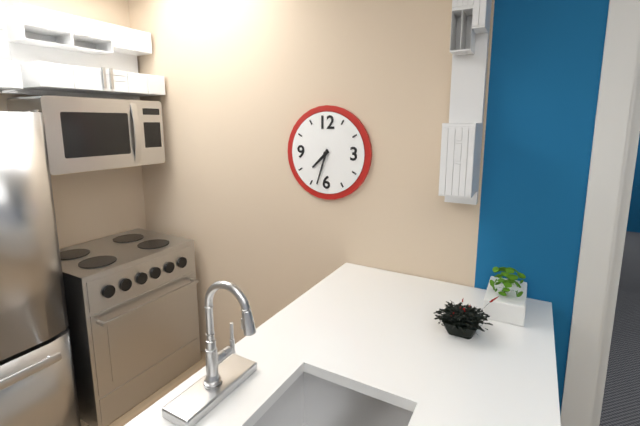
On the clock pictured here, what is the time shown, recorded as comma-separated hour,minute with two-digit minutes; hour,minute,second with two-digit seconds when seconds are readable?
7,33
